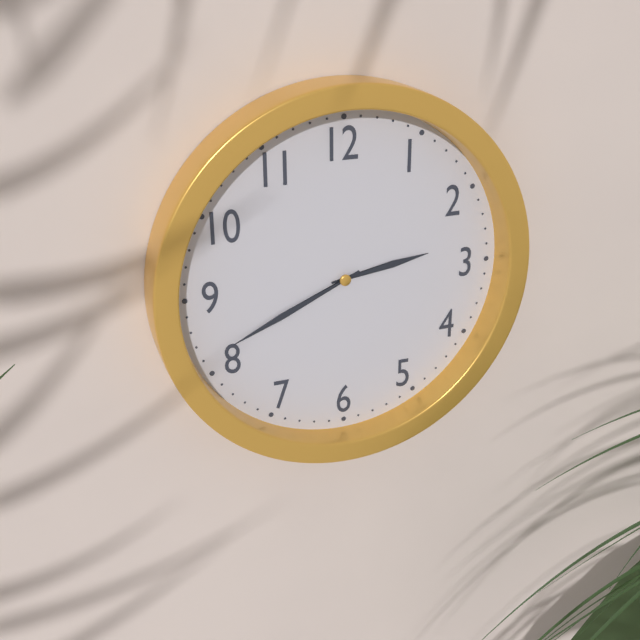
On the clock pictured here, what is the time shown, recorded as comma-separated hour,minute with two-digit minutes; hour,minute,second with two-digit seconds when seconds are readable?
2,41
